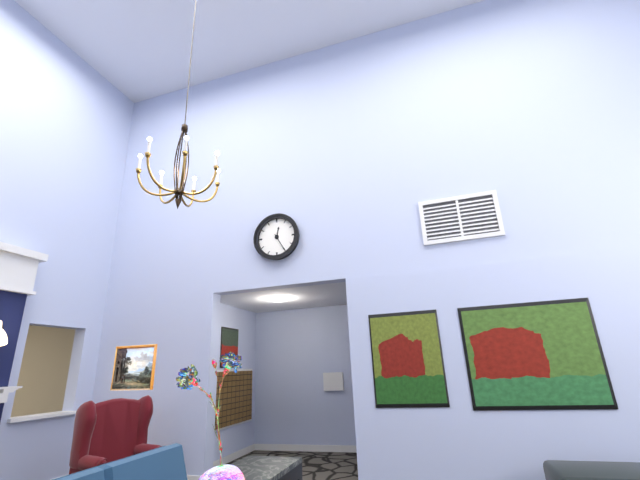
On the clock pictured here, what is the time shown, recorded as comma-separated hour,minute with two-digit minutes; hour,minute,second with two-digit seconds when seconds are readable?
12,25
